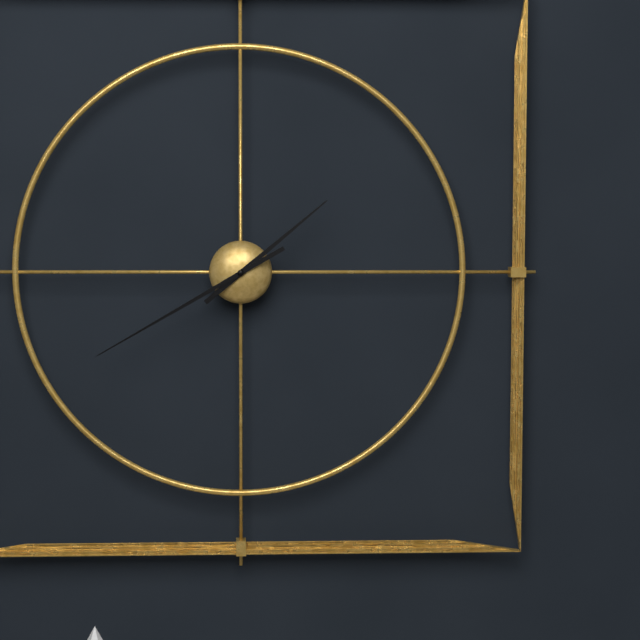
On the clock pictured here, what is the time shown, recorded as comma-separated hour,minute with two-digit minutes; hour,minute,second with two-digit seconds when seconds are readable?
1,40
